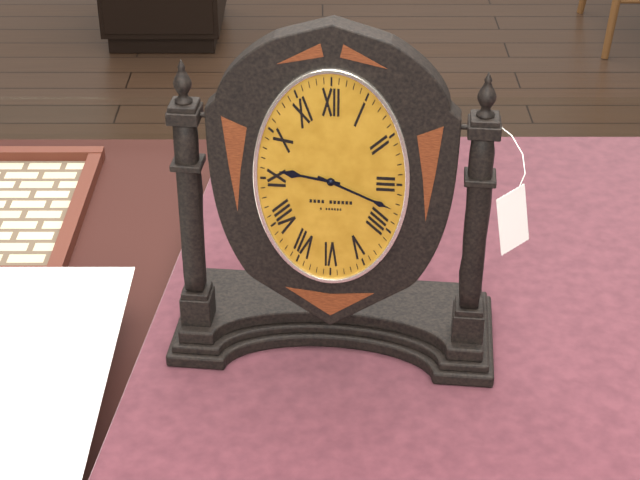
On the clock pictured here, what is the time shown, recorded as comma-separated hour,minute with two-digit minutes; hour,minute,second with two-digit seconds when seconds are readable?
9,19
